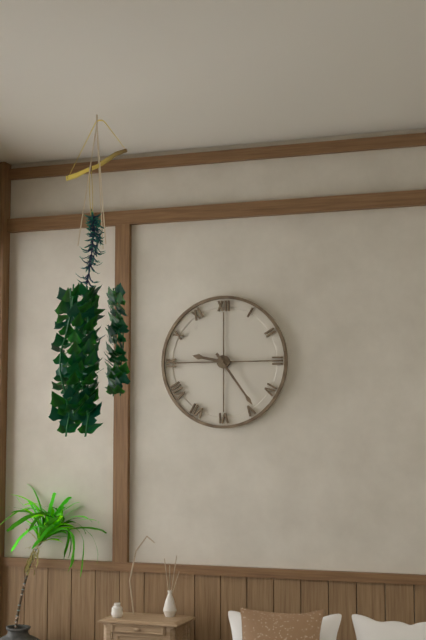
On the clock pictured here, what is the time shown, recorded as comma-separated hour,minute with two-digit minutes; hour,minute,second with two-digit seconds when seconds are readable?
9,24
